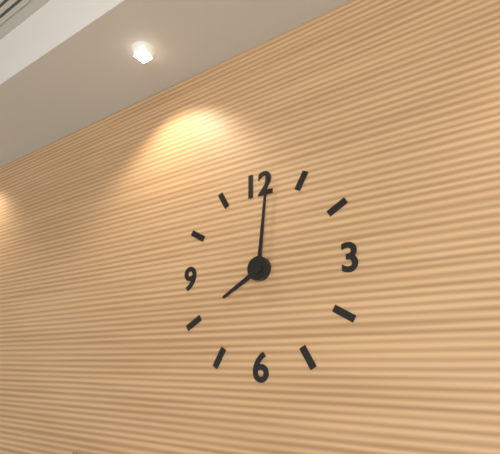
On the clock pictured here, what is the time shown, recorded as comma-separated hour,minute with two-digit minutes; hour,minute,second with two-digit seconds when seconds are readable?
8,01
